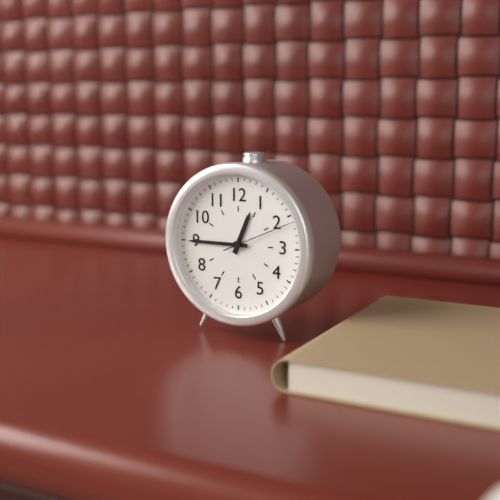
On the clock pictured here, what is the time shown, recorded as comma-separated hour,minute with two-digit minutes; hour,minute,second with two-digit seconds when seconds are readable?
12,45,11
